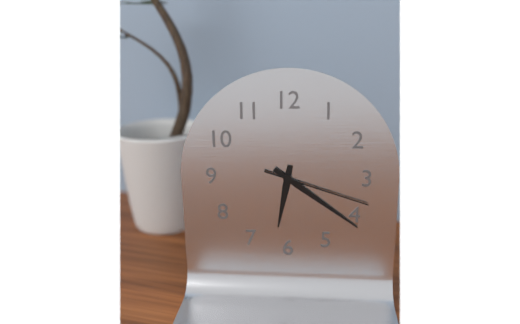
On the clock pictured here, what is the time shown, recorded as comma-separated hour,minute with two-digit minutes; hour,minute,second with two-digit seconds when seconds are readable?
6,21,18
